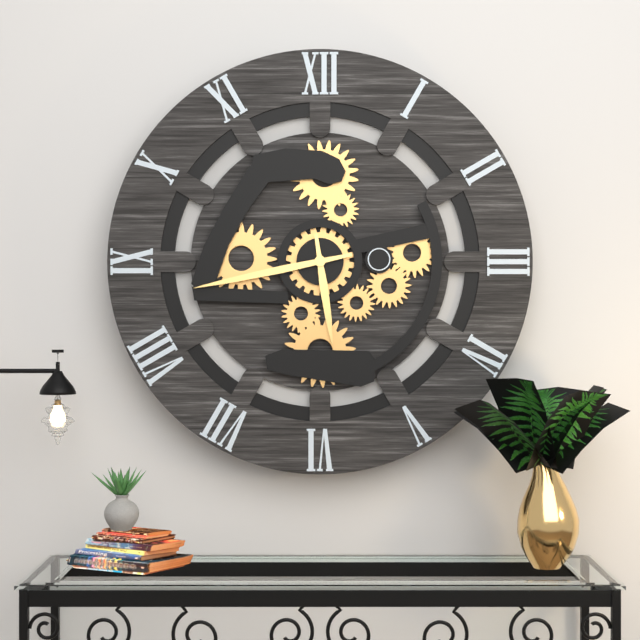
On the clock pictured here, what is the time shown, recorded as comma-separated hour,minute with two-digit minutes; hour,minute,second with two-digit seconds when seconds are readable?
5,43
